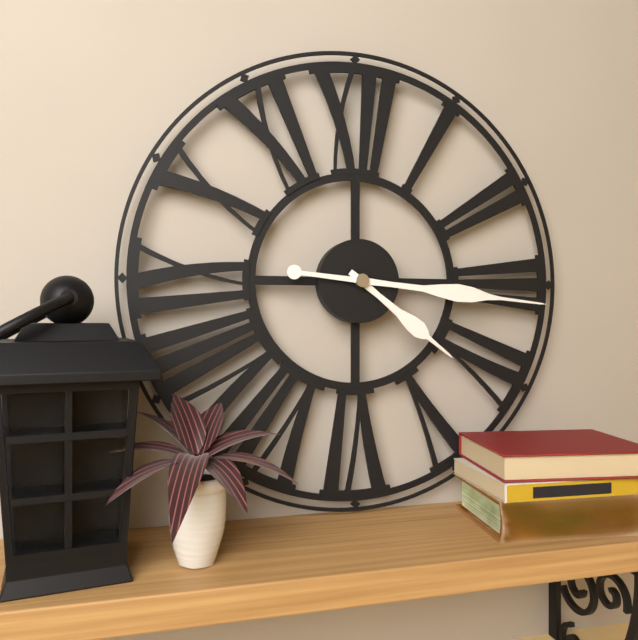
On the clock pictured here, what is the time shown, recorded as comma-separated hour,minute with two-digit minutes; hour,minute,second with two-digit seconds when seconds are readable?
4,16
